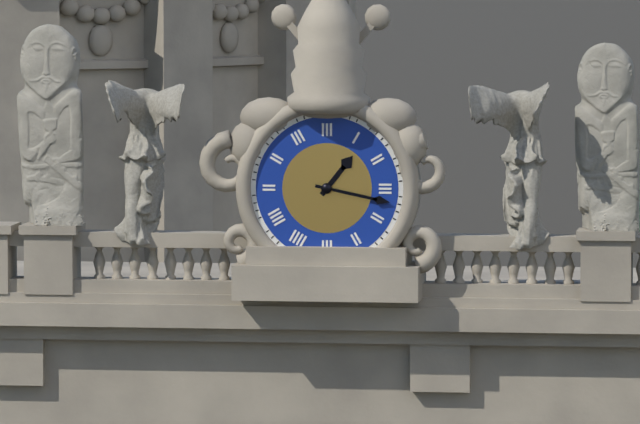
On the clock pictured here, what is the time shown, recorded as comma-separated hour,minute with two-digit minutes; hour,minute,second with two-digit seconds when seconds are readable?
1,17
